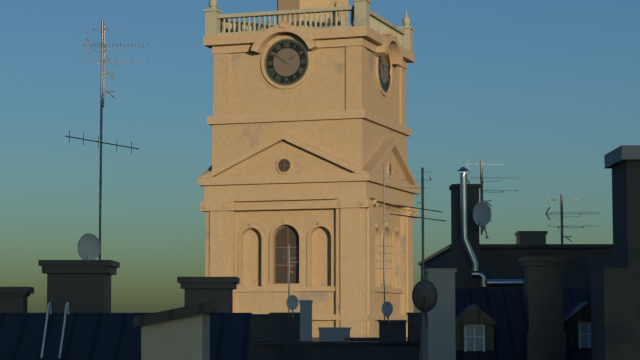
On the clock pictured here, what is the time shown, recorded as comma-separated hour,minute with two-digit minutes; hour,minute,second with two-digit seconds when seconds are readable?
1,51
